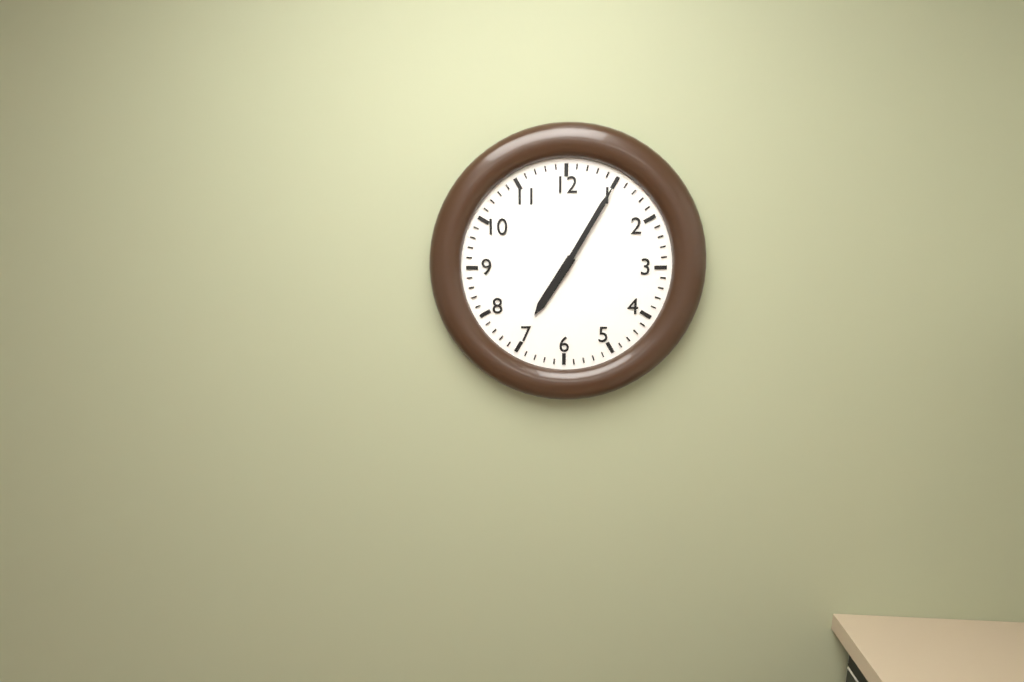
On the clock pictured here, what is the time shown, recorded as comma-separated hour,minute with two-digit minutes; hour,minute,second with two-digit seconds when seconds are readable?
7,05
